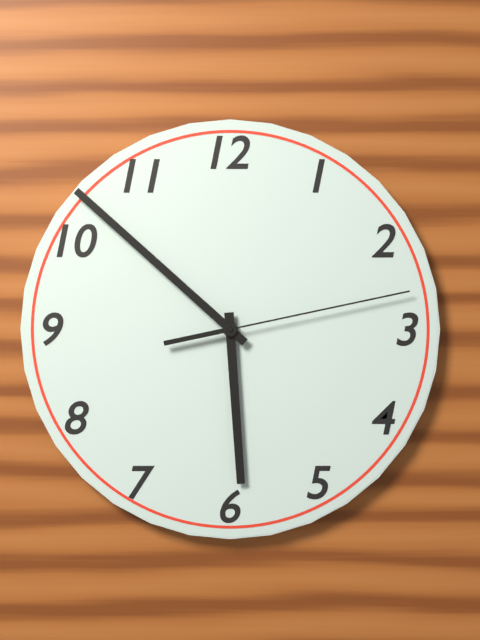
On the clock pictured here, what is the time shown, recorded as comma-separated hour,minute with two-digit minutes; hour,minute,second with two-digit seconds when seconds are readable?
5,52,13
